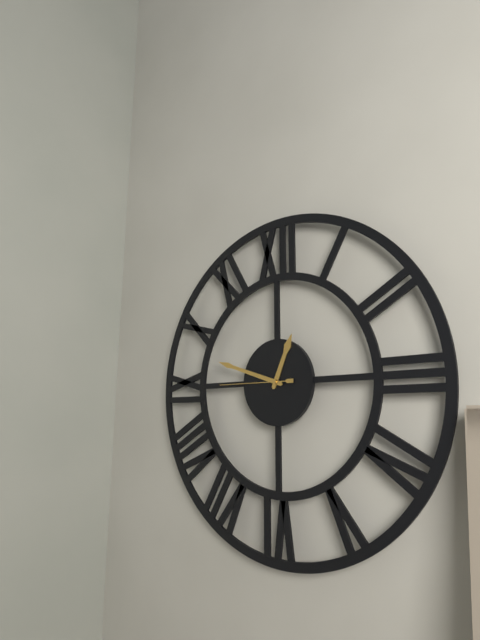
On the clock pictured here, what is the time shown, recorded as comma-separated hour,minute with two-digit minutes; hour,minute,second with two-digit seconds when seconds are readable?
12,48,45
